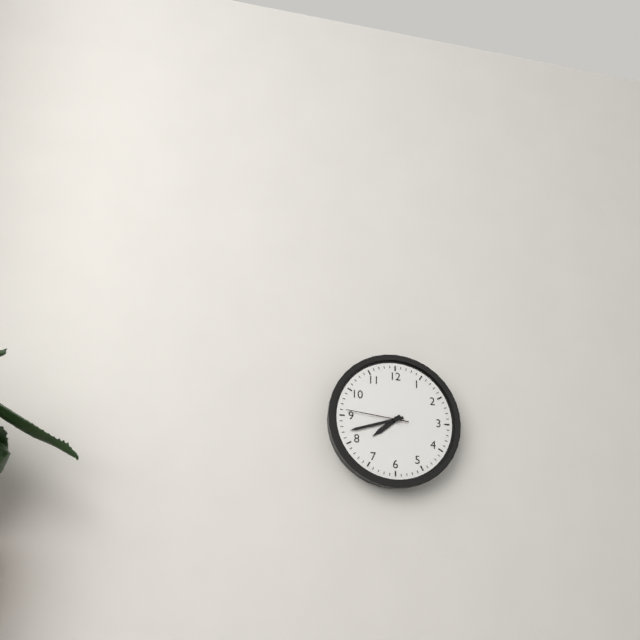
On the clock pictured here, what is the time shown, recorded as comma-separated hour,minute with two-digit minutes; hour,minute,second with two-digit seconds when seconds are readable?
7,42,46
